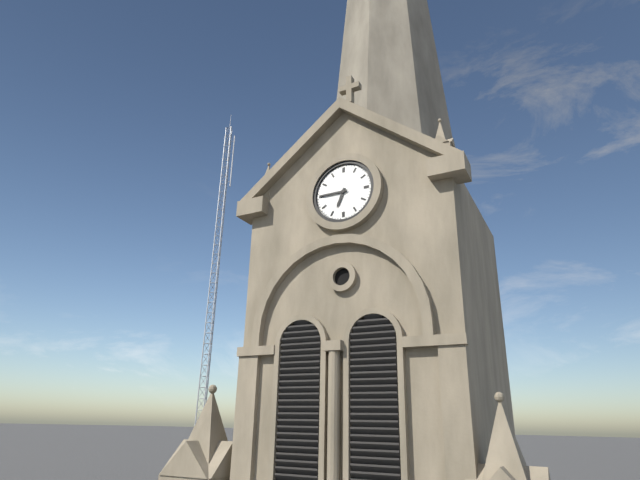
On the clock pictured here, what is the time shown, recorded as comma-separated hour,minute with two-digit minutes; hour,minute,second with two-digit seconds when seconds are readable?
6,45
